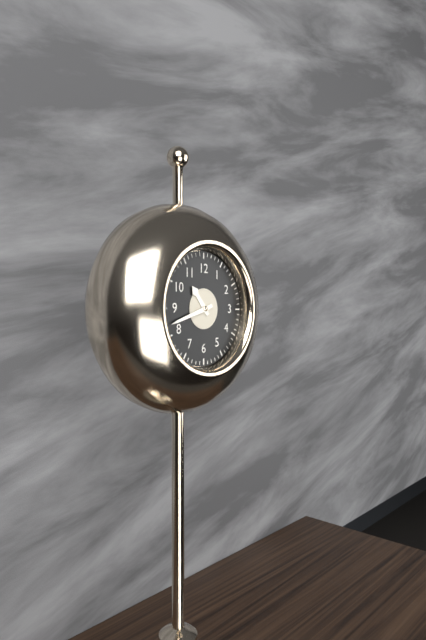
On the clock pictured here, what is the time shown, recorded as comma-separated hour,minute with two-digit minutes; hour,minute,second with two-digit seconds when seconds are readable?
10,42
